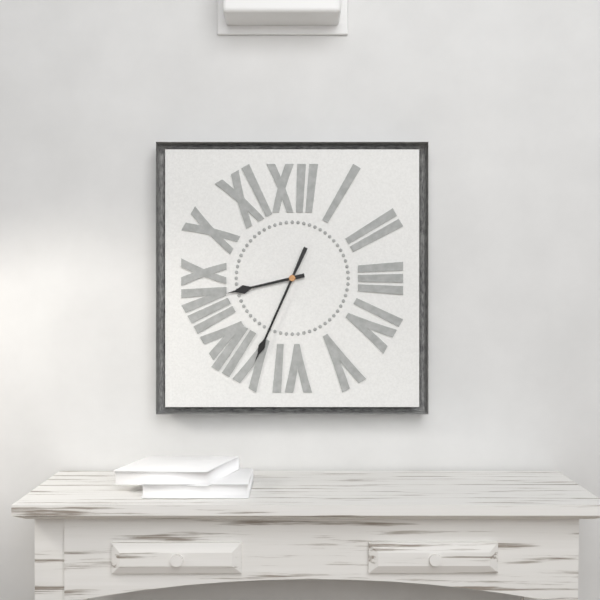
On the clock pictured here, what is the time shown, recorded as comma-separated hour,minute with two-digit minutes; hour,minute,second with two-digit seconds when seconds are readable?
8,34
